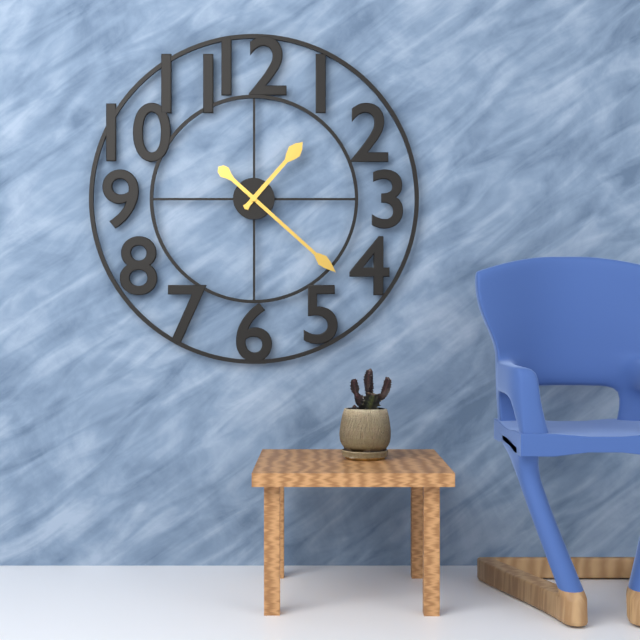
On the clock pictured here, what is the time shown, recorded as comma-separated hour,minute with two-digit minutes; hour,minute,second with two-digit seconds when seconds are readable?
1,22
